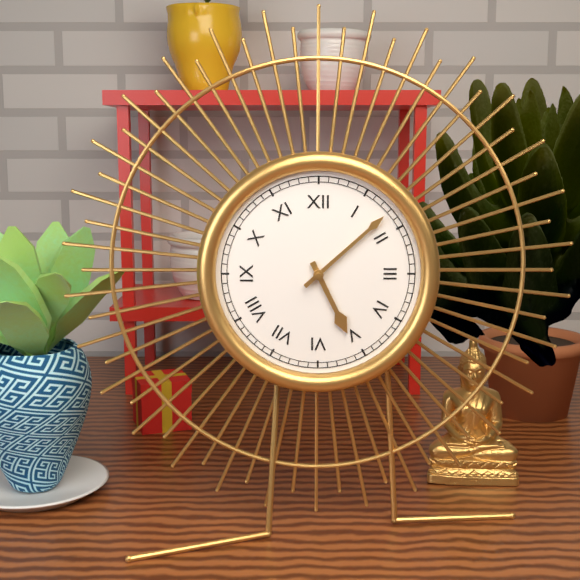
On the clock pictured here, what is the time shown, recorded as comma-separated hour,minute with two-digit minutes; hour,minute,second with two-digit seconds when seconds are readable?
5,08
